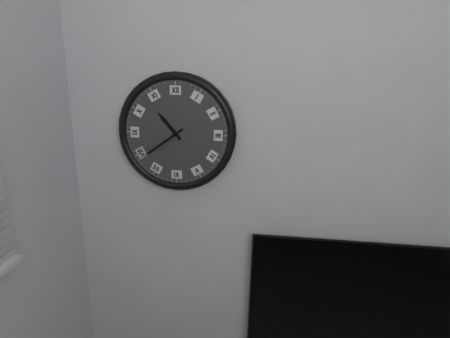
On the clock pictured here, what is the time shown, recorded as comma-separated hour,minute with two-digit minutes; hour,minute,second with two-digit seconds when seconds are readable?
10,39
